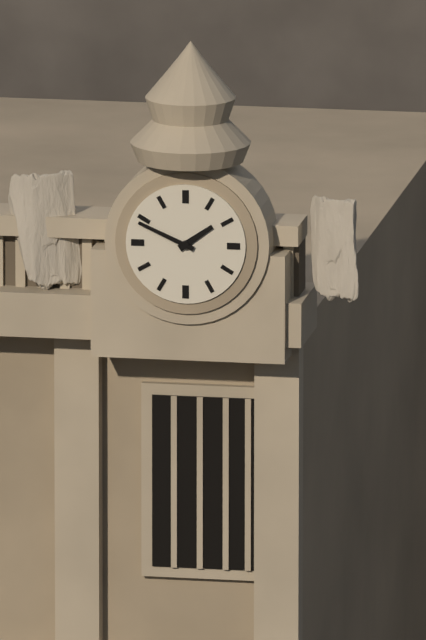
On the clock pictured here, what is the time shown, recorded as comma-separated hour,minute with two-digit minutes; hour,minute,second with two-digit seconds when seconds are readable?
1,49
